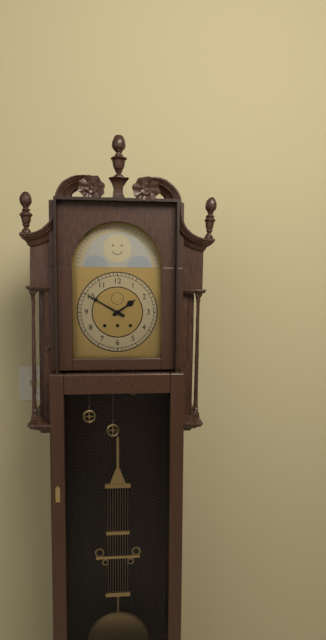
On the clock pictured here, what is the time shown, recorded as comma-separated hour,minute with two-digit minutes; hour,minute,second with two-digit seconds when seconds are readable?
1,50
